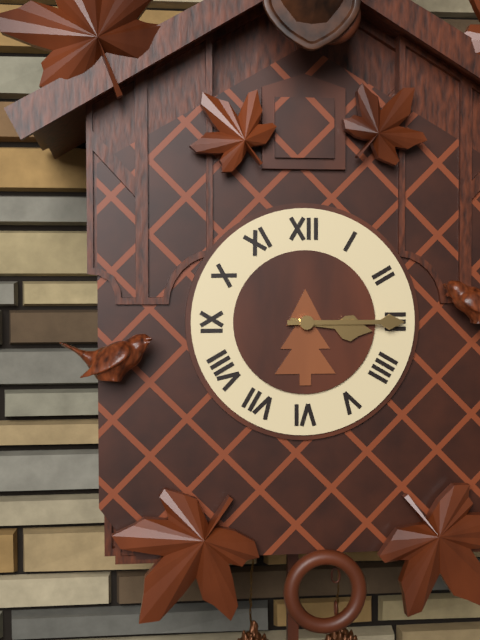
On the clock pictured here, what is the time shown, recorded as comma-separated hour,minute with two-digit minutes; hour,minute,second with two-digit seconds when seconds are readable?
3,15
